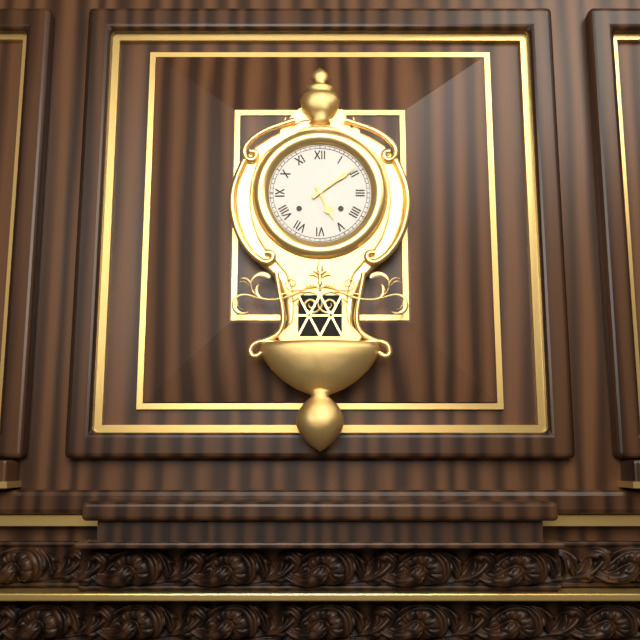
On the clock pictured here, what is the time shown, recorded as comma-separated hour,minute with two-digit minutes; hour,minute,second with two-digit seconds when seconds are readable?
5,09
